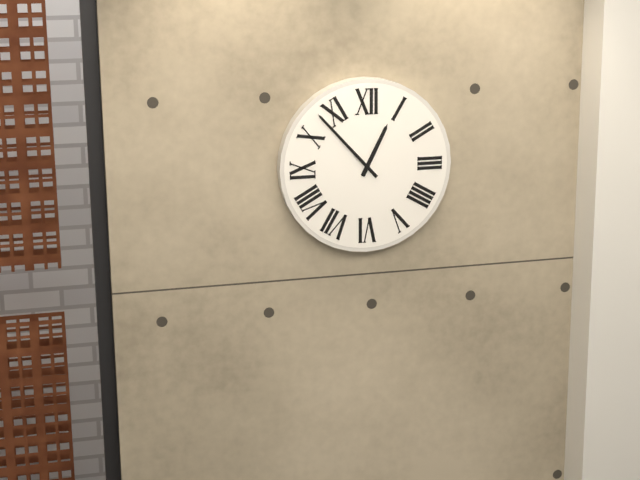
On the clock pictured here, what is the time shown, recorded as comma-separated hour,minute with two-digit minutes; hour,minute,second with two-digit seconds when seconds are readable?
12,53
